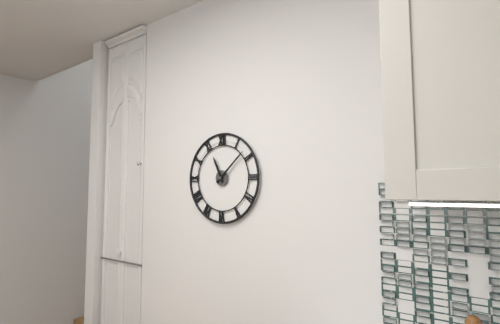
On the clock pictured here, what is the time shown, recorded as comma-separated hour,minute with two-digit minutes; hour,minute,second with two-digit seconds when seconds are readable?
11,08
